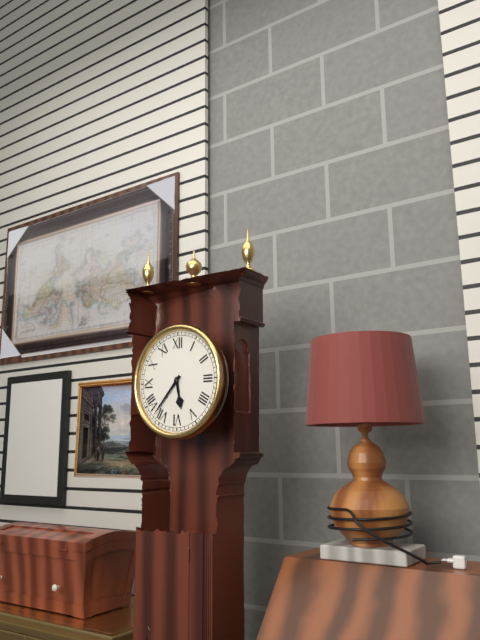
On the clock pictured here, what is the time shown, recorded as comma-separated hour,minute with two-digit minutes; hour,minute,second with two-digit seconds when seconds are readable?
5,37
